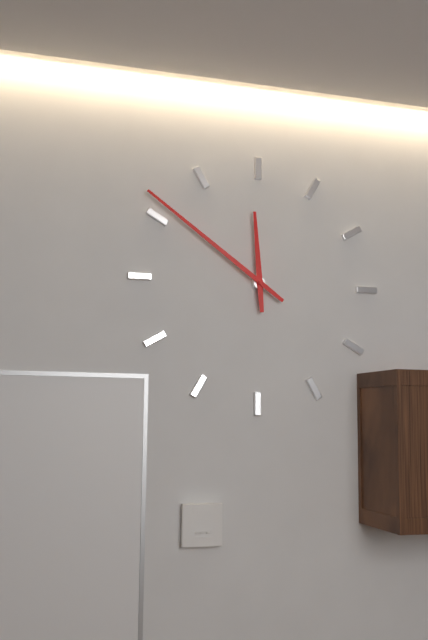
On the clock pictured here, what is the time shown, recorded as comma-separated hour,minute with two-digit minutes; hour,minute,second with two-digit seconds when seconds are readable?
11,51
